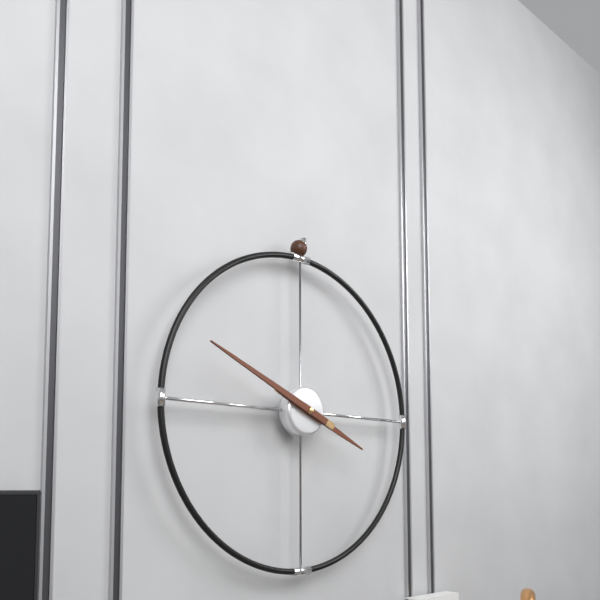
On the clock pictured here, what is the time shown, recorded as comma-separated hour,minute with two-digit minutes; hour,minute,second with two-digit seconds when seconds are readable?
3,49
